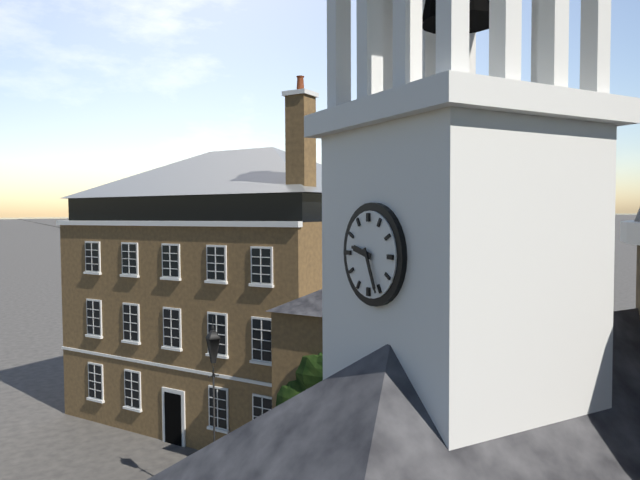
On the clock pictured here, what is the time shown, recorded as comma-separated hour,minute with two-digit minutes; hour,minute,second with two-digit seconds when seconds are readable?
9,26
